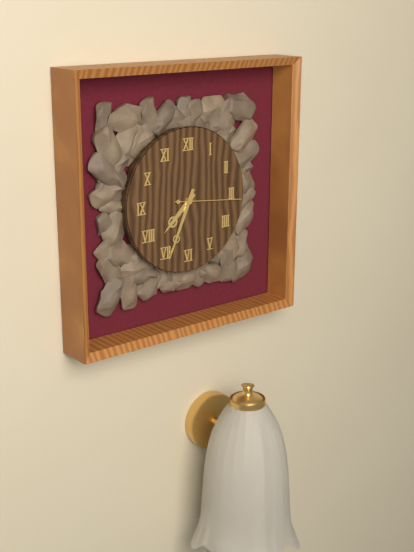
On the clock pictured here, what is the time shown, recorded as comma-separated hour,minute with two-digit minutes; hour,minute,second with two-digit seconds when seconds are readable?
7,34,16
